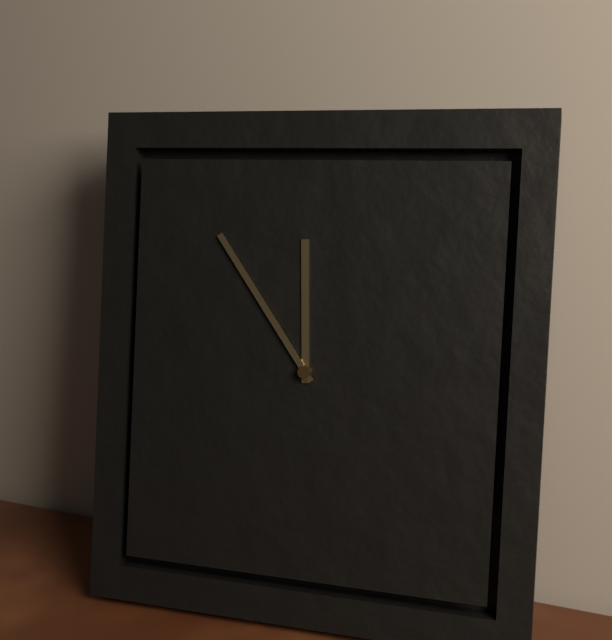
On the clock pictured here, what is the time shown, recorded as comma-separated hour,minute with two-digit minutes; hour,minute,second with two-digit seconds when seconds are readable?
11,54
